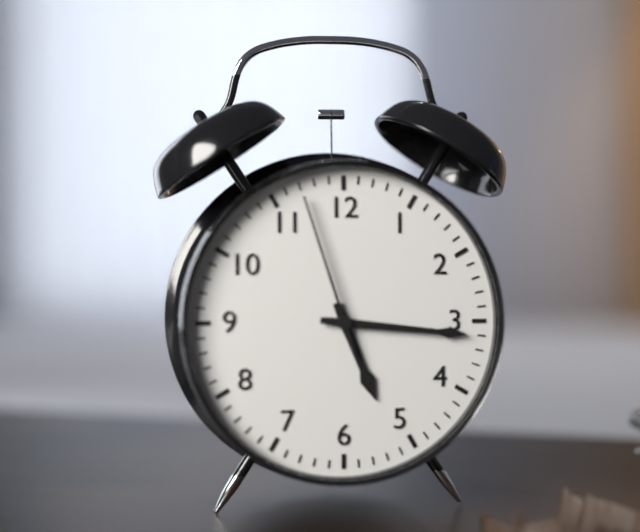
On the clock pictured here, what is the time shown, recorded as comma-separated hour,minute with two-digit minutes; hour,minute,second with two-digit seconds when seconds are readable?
5,16,57
